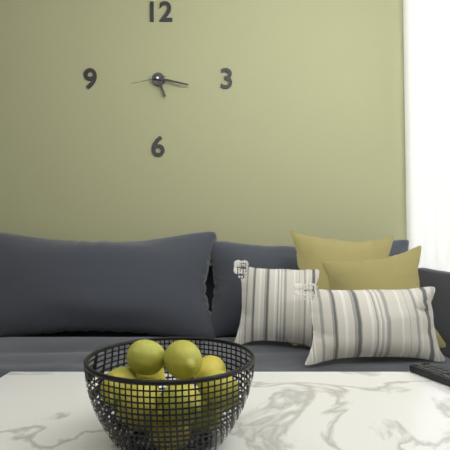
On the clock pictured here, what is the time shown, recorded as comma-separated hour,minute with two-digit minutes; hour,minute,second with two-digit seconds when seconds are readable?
5,17
